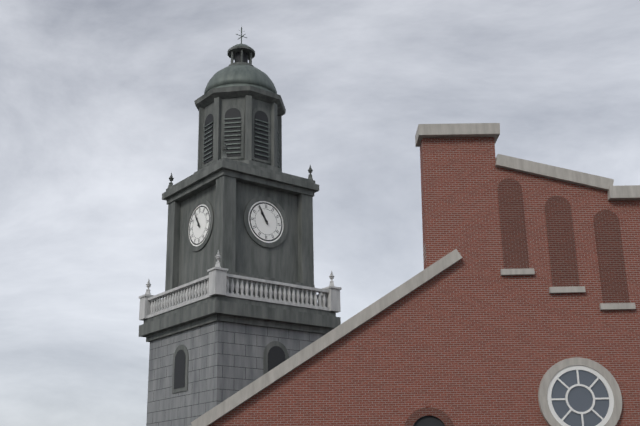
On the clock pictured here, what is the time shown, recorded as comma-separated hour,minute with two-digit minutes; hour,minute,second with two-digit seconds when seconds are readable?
10,55
